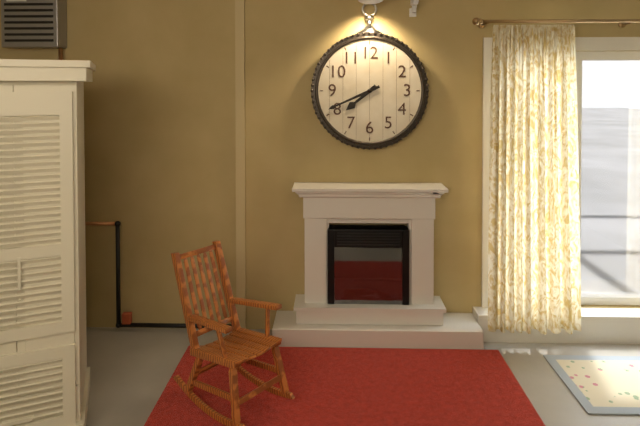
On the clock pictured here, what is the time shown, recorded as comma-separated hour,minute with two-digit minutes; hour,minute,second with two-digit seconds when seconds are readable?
7,41
